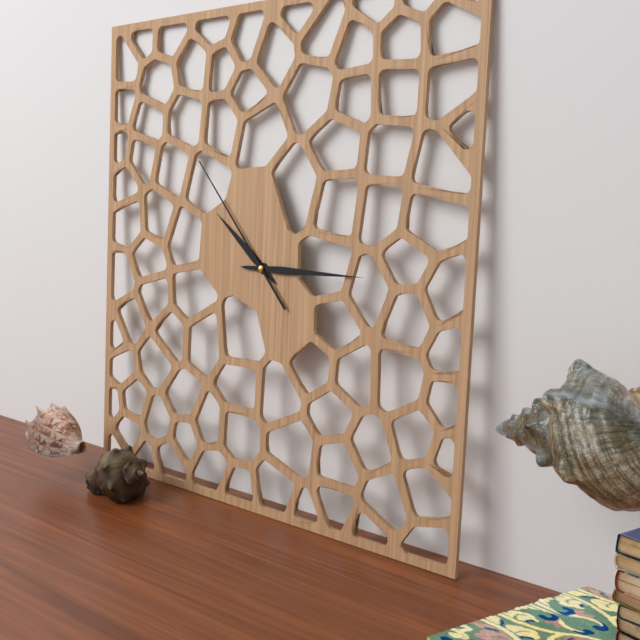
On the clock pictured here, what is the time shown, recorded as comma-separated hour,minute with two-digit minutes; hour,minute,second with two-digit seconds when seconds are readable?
10,15,53
